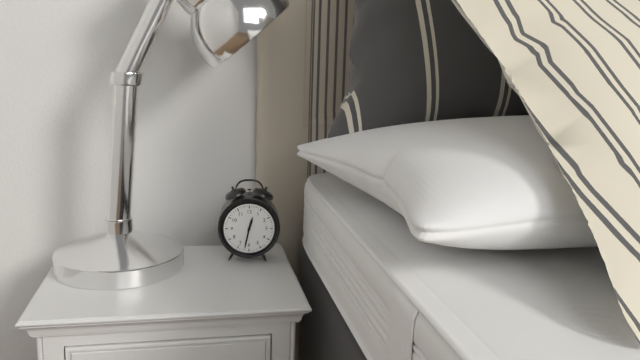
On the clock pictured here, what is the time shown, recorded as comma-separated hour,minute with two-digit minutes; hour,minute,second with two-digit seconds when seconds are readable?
12,32
